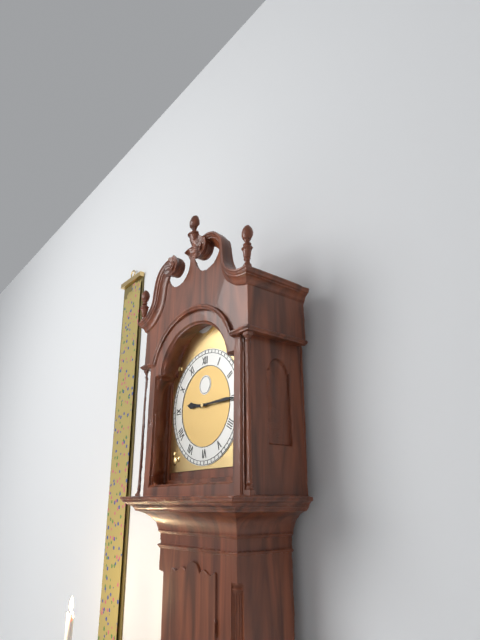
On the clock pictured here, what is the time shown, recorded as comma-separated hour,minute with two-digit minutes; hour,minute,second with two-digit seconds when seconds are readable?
9,15
